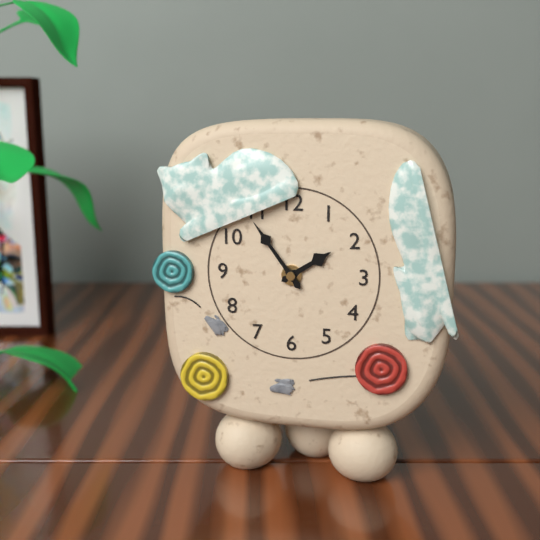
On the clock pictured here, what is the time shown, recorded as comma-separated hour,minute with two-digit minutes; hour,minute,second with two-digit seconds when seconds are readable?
1,54
